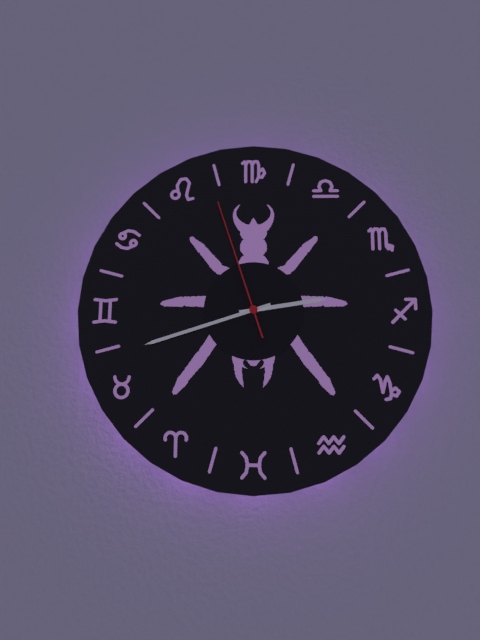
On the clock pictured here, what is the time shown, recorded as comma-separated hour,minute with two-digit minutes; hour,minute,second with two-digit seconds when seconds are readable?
2,42,57
